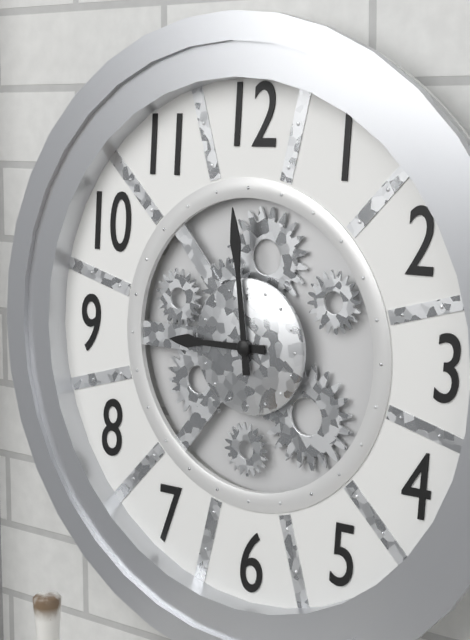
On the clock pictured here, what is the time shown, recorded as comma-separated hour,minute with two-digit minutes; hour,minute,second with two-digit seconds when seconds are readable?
8,59
